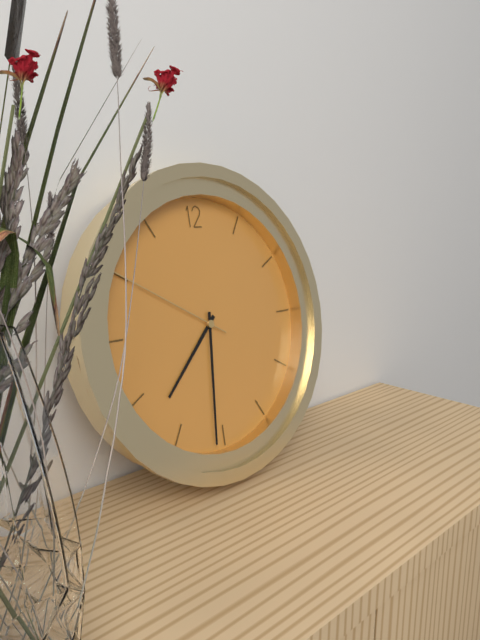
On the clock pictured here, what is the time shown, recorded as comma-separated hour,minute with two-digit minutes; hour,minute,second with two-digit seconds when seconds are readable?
7,31,50
